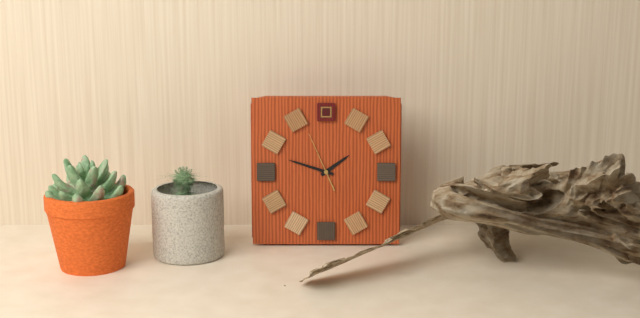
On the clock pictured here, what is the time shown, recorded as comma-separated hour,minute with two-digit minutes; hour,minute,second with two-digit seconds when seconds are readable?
1,48,56
